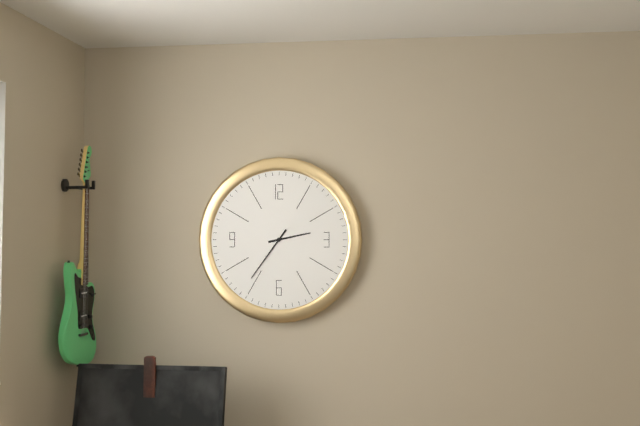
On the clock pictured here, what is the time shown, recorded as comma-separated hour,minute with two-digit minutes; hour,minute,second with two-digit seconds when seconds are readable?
2,36
